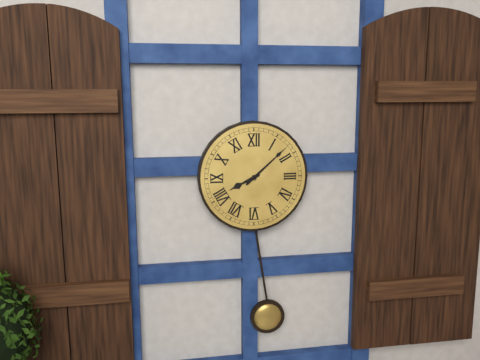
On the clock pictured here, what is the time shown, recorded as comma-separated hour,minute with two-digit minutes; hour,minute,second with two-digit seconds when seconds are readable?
8,08
